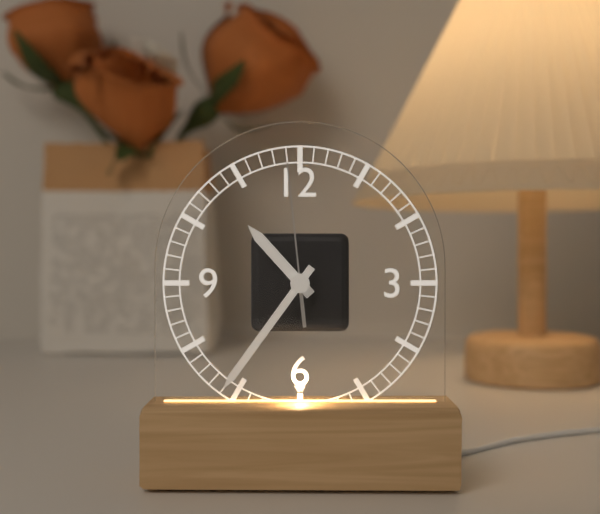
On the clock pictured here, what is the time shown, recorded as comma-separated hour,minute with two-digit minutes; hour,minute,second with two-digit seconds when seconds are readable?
10,36,59
